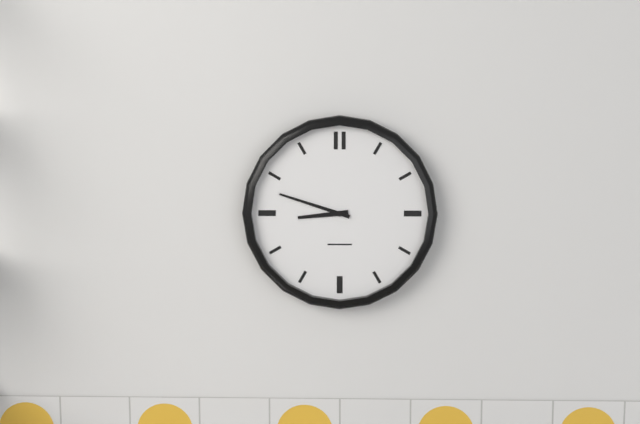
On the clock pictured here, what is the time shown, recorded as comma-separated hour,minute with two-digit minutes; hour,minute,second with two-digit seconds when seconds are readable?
8,48
